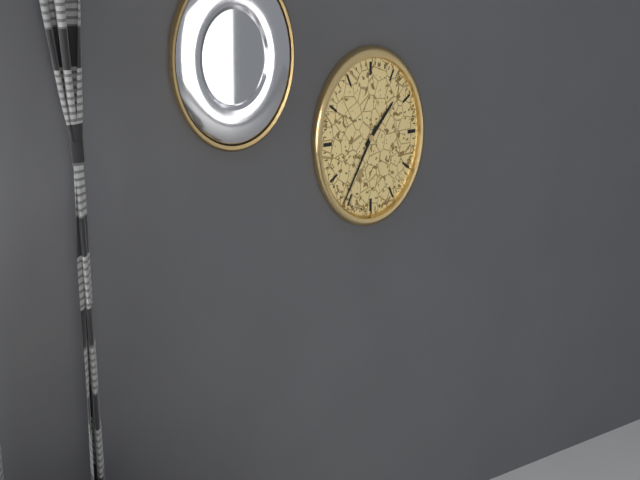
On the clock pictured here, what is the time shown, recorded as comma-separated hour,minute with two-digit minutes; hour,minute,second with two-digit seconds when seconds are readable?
1,36
